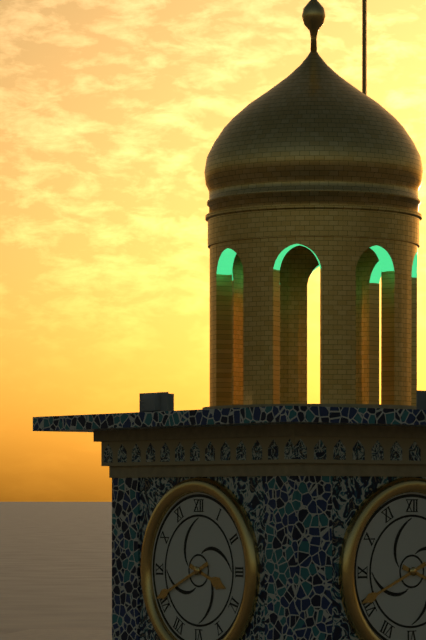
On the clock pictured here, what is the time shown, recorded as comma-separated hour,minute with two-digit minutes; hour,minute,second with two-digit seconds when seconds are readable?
3,41
